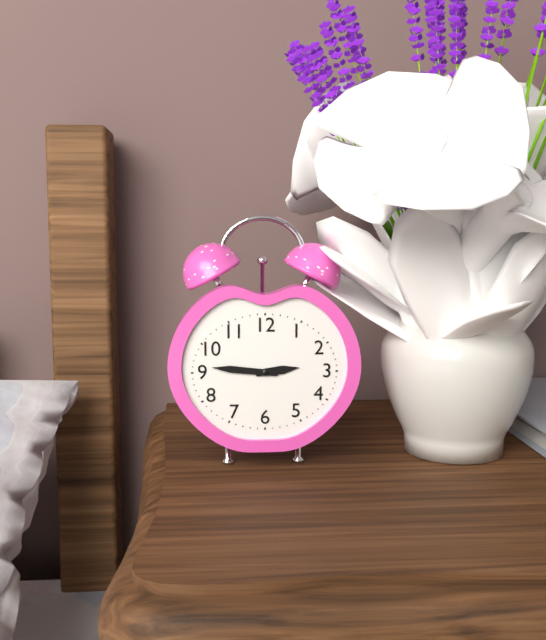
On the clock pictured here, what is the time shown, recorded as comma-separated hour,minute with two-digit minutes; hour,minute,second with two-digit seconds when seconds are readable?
2,46
